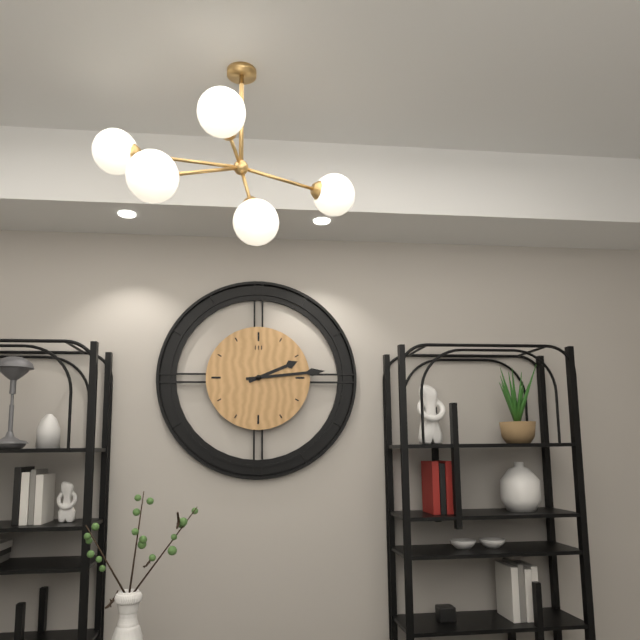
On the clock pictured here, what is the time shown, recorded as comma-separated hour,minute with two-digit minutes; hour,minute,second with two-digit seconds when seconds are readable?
2,14
